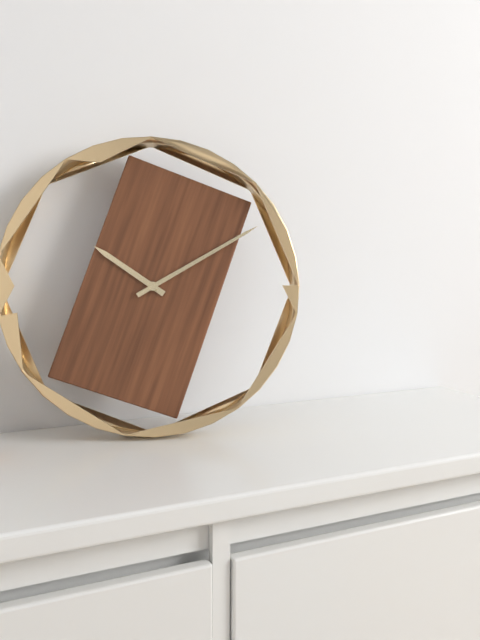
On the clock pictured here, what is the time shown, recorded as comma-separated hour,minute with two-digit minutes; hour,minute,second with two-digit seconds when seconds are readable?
10,10
